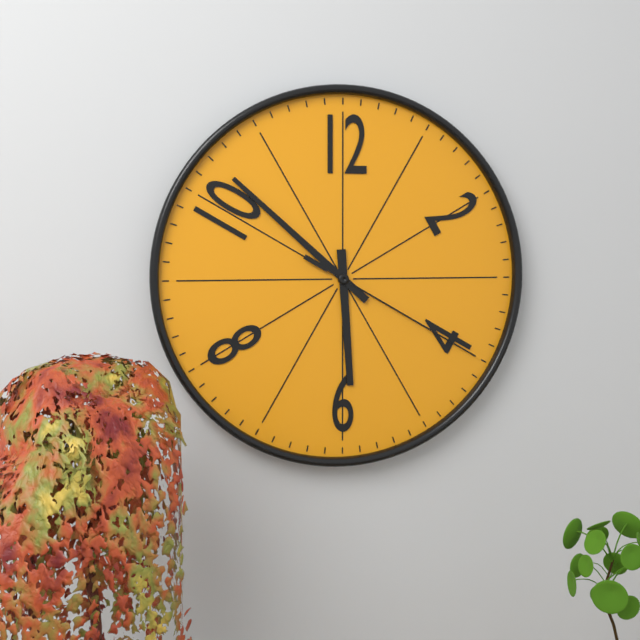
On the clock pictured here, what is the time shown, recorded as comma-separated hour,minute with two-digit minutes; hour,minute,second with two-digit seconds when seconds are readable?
5,52,20
